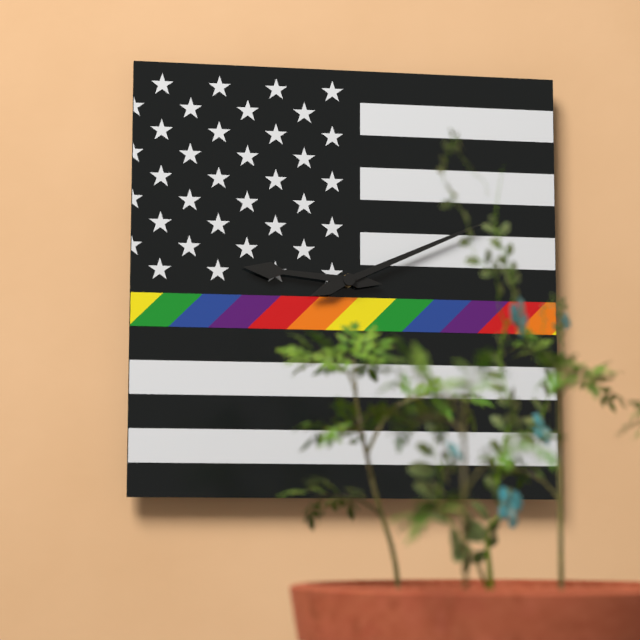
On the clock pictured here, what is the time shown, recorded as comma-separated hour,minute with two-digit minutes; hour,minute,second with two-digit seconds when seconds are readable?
9,11
